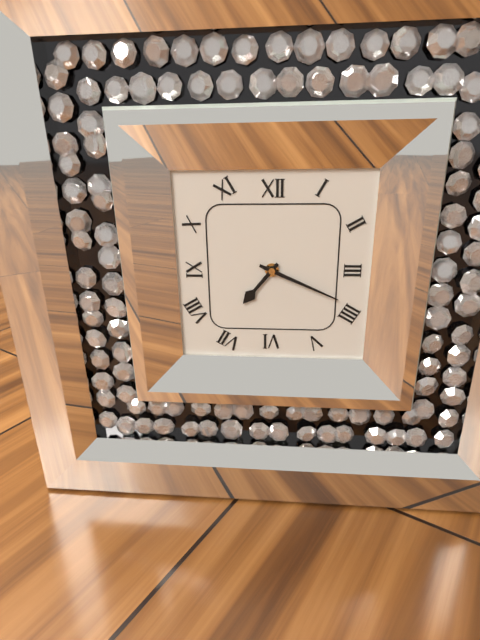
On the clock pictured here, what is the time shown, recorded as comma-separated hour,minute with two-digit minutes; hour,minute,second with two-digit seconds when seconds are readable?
7,19
